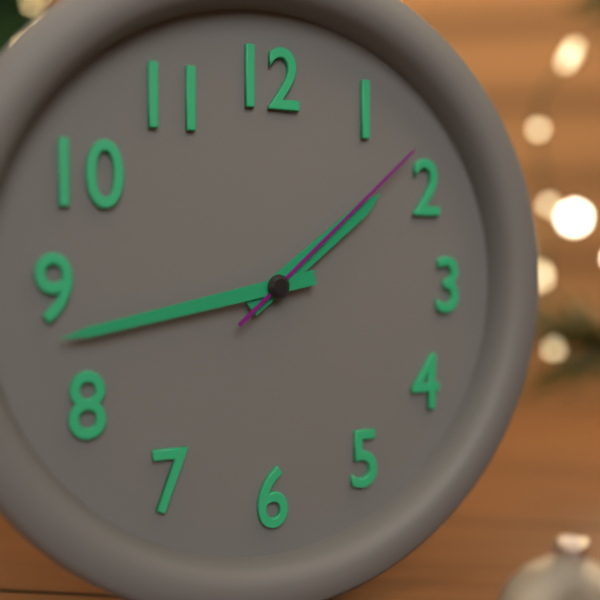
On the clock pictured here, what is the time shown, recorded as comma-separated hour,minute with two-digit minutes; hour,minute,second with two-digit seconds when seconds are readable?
1,43,08
